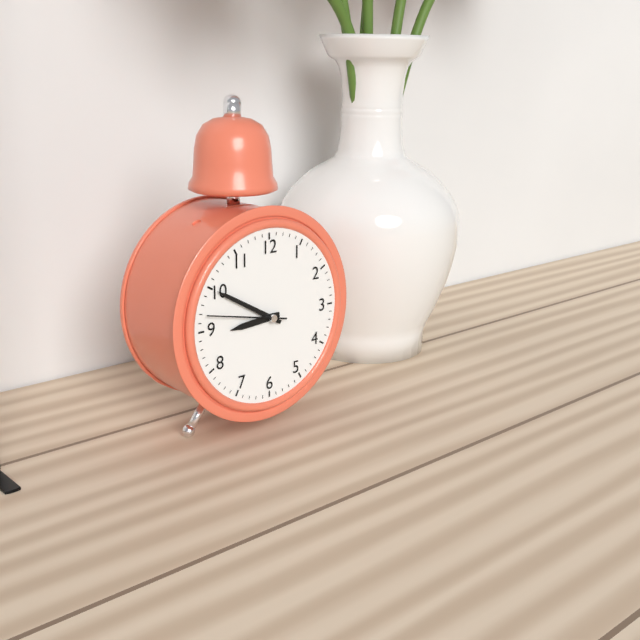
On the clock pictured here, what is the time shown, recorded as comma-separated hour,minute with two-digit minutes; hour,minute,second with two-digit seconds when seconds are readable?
8,50,47
